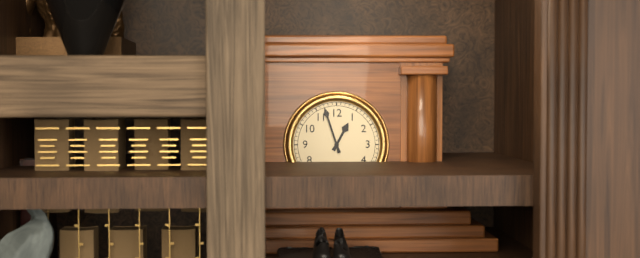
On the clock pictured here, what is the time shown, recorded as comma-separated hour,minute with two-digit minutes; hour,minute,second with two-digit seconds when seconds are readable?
12,57
